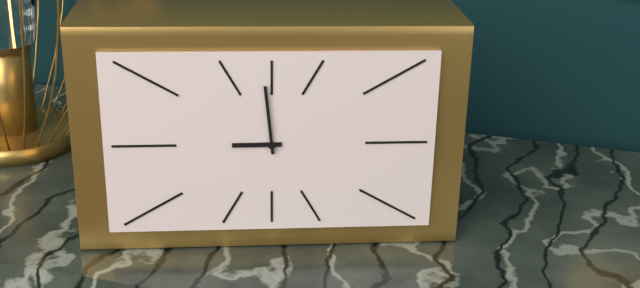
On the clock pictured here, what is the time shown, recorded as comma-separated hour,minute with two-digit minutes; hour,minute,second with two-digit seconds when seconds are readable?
8,59
